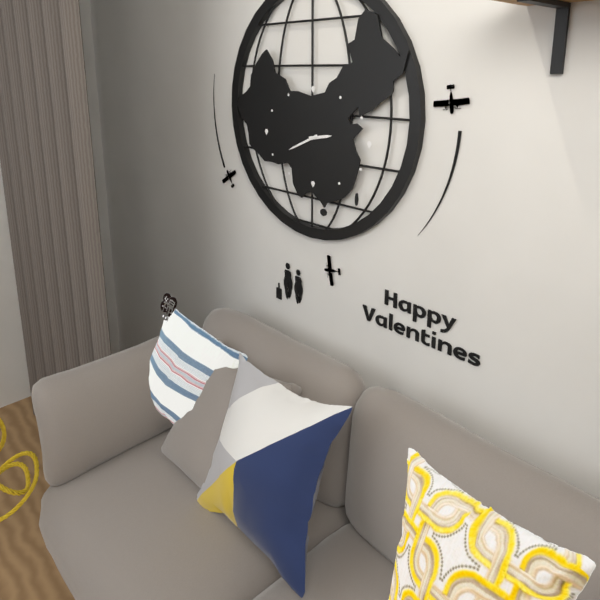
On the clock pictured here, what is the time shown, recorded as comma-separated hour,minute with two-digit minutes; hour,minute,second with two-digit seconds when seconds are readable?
2,41
